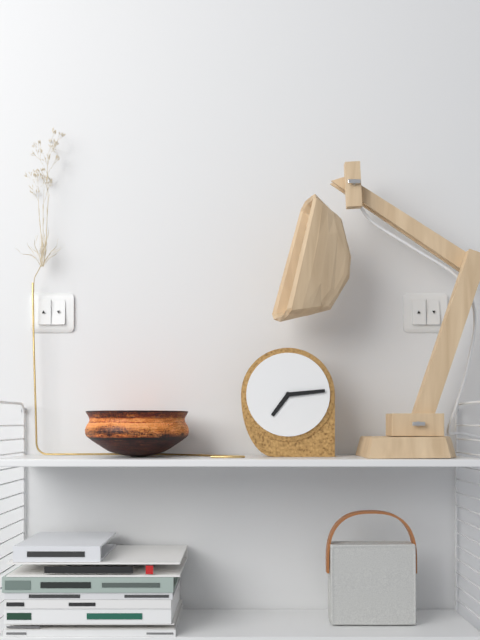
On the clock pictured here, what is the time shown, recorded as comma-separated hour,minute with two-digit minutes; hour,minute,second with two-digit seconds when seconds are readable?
7,14
